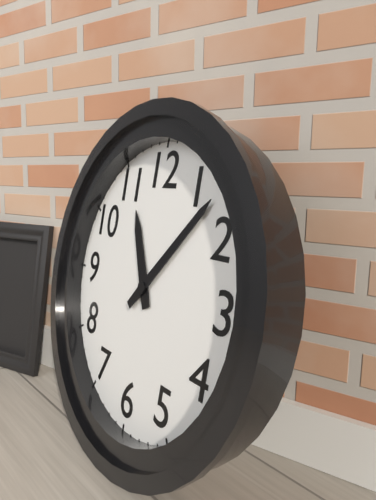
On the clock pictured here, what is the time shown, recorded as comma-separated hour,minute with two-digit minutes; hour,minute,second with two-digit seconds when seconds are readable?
11,07
